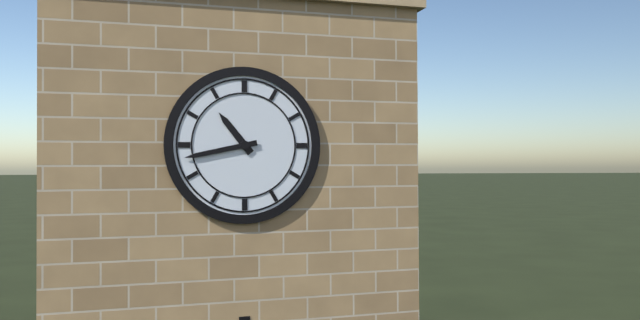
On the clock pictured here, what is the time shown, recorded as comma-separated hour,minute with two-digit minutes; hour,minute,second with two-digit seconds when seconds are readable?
10,43
